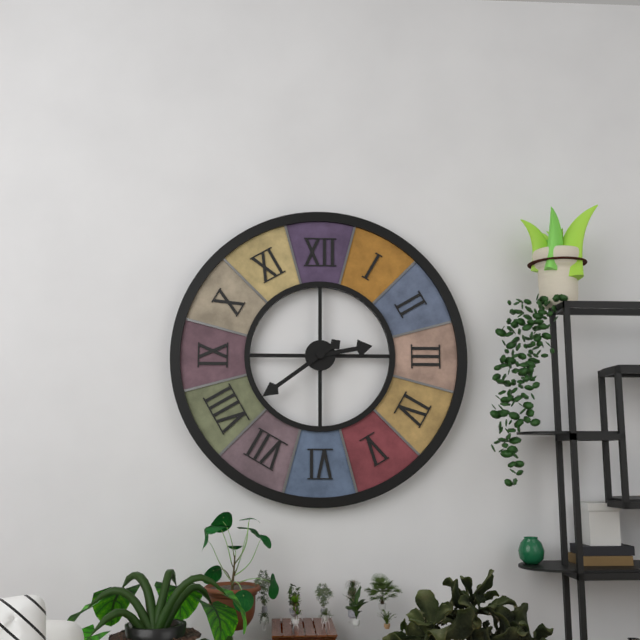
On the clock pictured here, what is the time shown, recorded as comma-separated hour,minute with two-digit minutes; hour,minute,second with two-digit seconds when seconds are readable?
2,39
